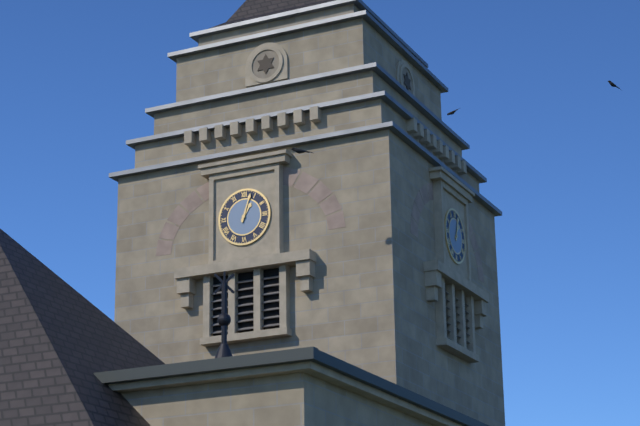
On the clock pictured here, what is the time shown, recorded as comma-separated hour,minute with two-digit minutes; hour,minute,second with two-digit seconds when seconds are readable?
1,03
